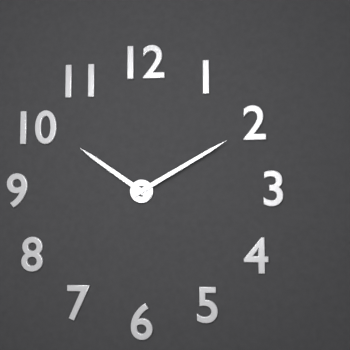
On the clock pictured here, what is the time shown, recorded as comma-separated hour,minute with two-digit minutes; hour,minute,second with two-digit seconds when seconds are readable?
10,10
